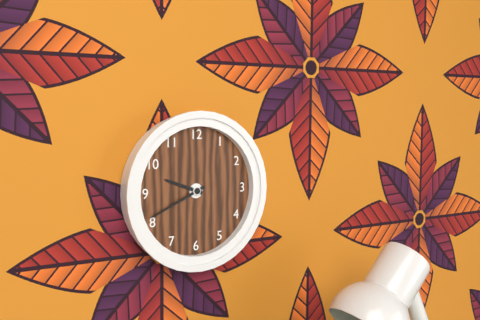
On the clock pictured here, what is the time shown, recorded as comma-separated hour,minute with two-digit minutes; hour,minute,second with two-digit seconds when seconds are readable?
9,41
